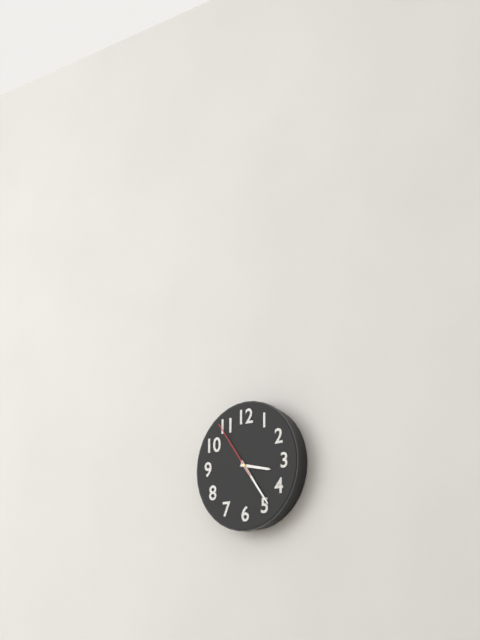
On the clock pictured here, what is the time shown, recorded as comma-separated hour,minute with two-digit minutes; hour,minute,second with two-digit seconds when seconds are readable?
3,24,54
